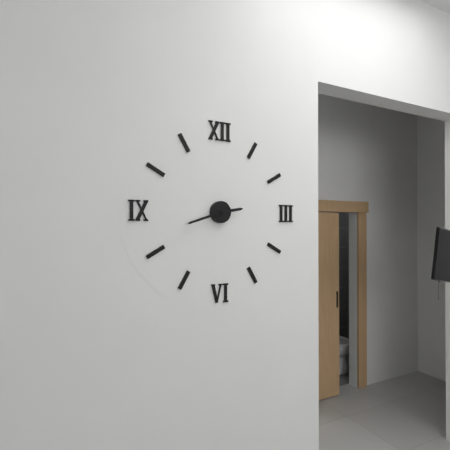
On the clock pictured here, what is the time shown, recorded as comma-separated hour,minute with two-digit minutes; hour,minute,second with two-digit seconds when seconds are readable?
2,42
